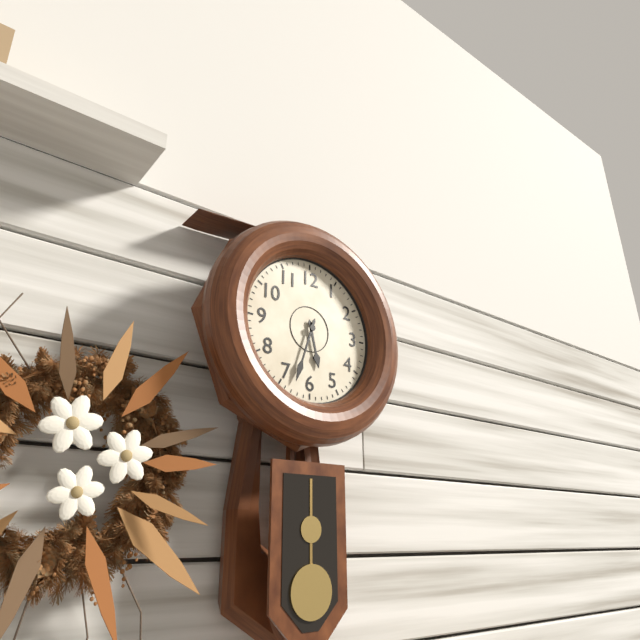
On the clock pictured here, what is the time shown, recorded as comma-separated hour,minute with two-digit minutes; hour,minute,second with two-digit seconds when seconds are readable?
5,33
